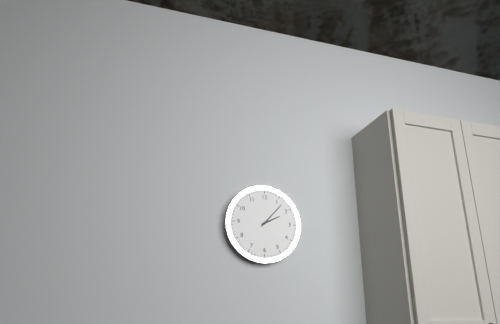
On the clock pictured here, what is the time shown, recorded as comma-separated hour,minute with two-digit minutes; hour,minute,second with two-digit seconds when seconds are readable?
2,07
